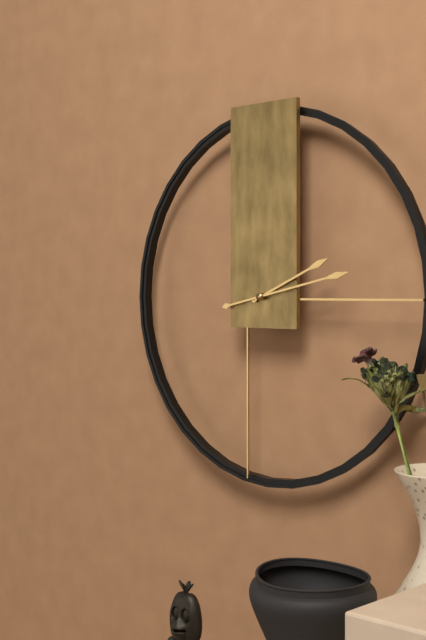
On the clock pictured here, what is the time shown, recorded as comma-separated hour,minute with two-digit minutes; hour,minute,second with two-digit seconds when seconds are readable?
2,13
